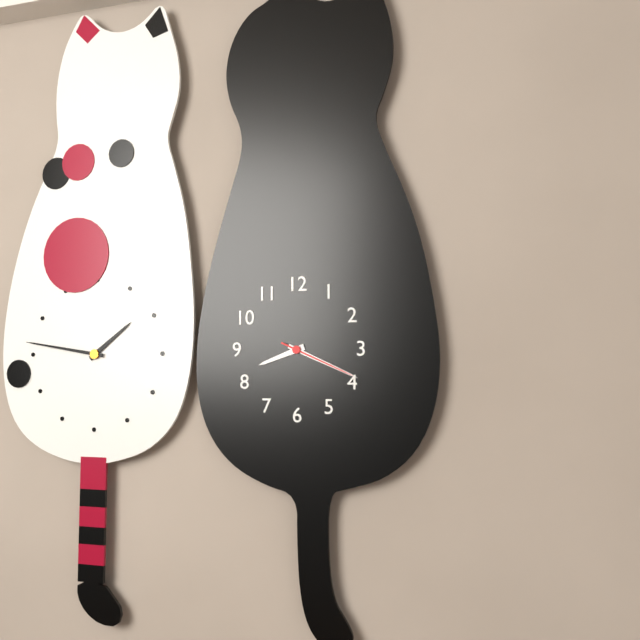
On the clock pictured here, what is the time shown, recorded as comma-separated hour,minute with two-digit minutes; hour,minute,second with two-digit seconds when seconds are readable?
8,19,19
